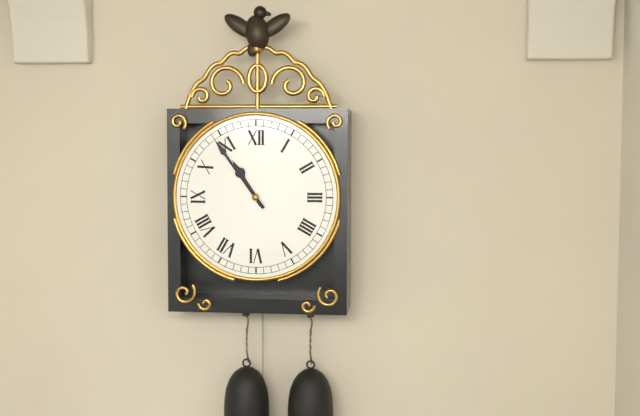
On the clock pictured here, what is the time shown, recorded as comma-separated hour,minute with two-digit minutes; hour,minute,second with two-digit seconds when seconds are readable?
10,54
